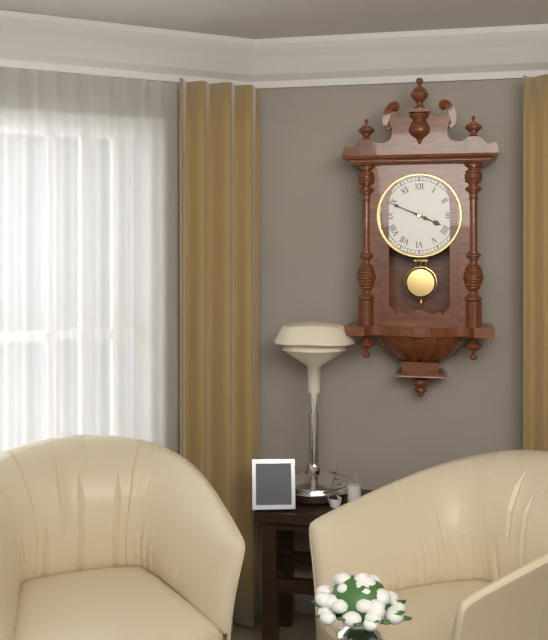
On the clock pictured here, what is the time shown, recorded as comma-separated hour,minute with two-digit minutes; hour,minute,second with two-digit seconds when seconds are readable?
3,49
